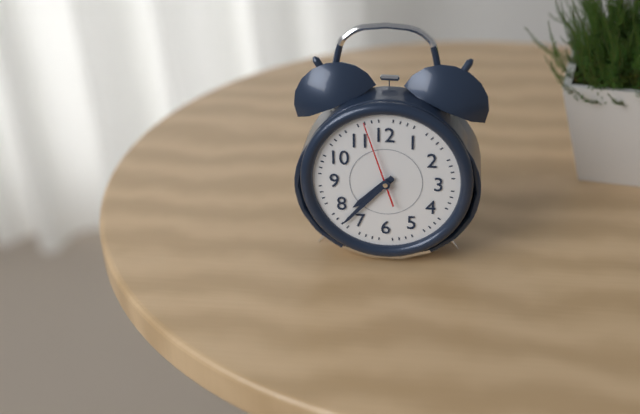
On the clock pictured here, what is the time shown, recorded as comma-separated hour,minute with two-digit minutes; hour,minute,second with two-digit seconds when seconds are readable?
7,37,57
